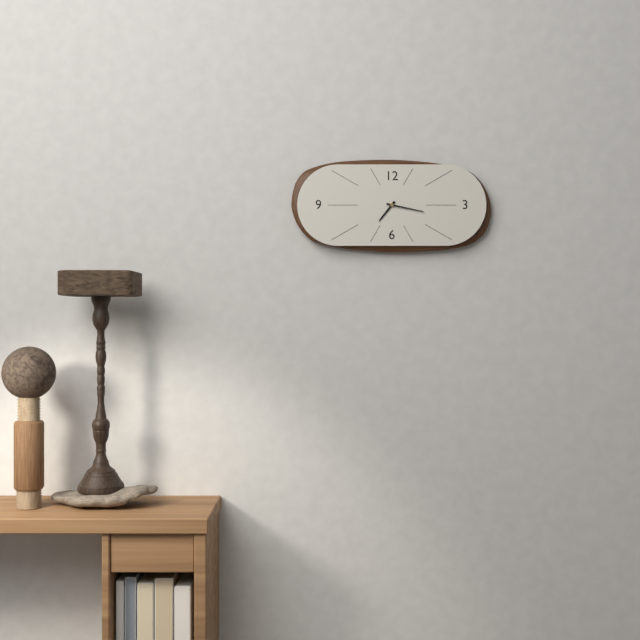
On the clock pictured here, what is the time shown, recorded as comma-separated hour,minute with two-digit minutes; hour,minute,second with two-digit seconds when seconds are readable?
7,17
